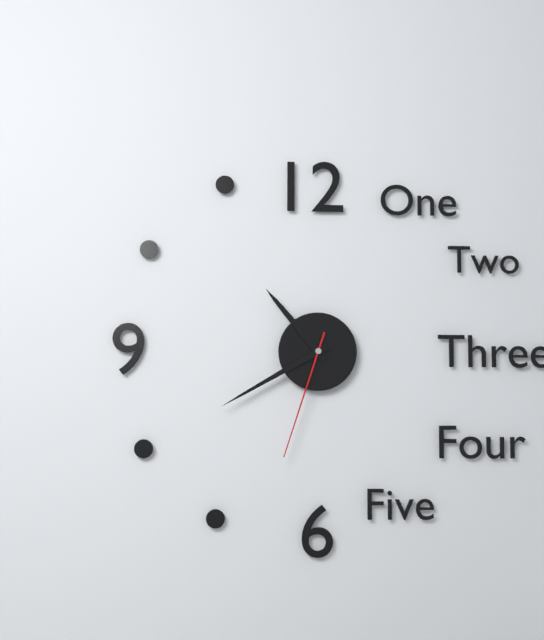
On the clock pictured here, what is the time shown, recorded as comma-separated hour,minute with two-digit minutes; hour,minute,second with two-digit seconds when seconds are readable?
10,40,33
